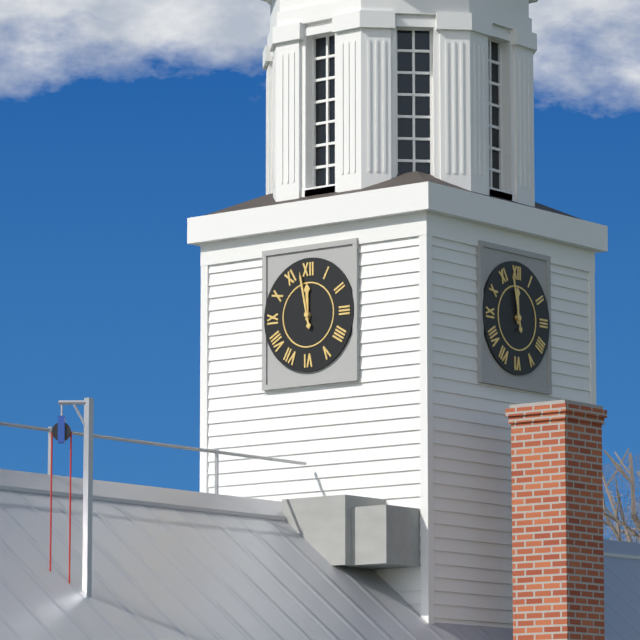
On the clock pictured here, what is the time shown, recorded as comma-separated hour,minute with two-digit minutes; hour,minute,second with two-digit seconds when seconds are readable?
11,58
